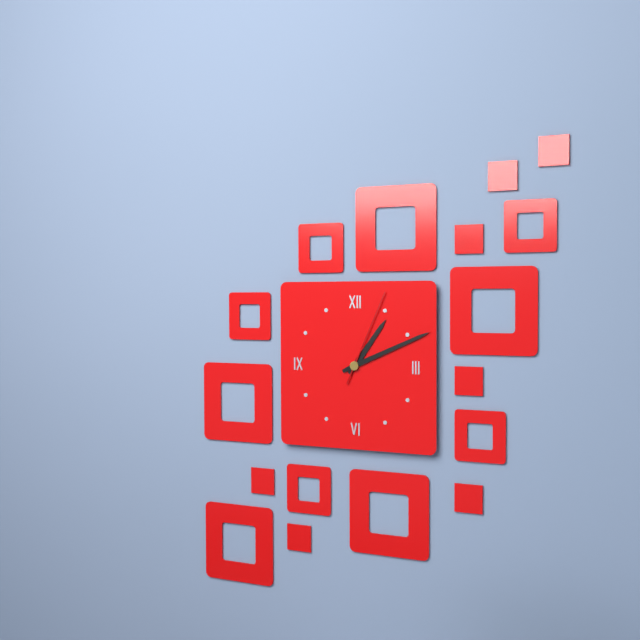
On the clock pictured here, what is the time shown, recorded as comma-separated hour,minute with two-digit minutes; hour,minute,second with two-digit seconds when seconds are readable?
1,11,04
